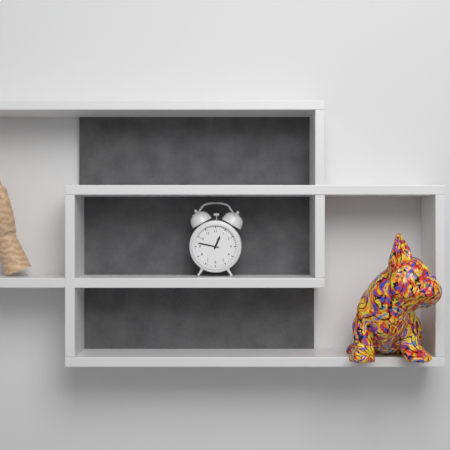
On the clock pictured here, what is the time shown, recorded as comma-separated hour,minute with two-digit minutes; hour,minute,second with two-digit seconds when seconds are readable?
12,47
